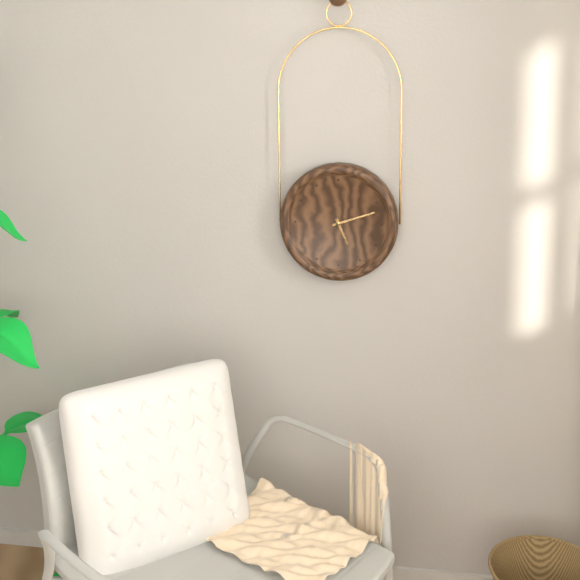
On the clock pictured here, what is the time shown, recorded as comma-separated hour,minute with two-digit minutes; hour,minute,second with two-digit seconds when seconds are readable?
5,12
